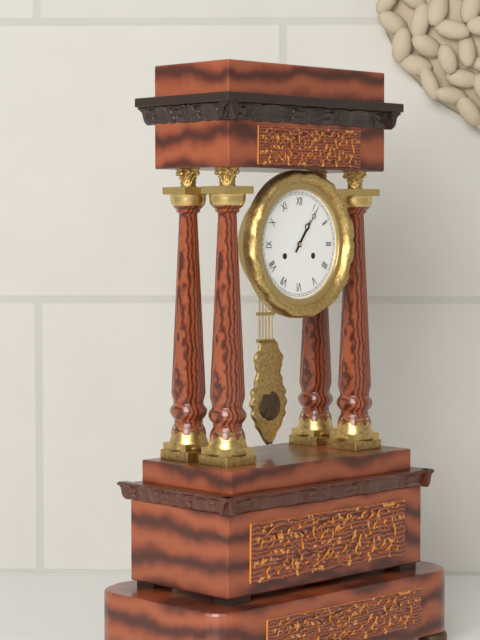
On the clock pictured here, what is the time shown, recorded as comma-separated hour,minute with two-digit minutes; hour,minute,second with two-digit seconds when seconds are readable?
1,06
